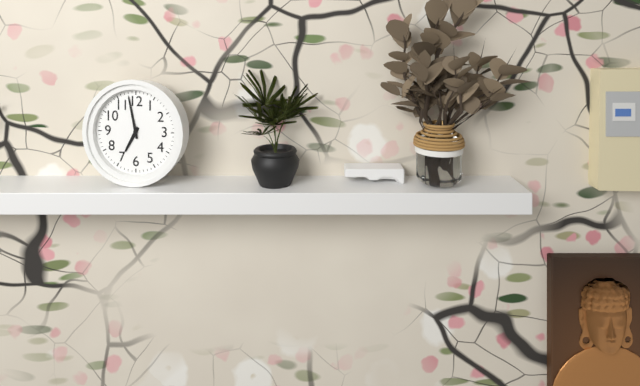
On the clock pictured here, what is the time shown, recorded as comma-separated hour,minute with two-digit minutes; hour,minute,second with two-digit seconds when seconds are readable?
6,58
